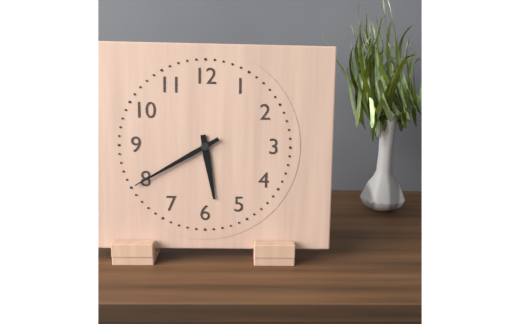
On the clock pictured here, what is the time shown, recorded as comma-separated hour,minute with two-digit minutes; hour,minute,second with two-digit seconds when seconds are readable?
5,40
